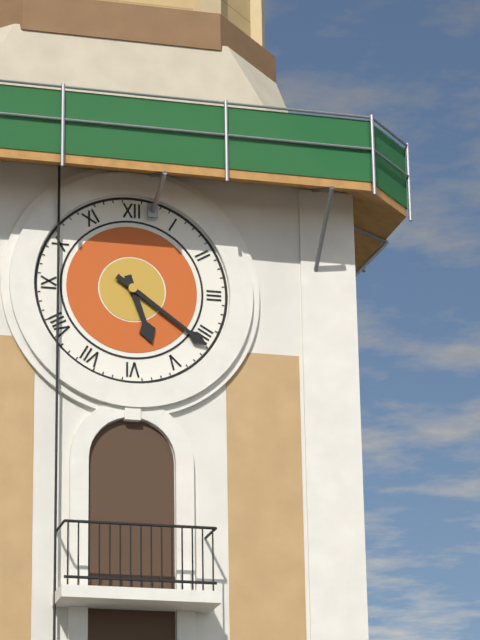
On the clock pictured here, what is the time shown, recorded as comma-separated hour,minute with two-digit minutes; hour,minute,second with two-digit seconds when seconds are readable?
5,21
